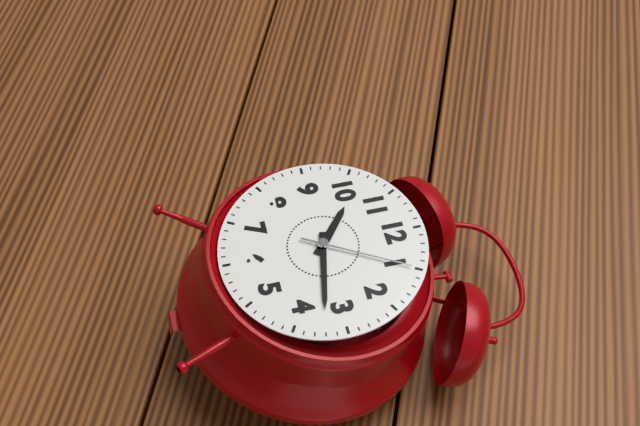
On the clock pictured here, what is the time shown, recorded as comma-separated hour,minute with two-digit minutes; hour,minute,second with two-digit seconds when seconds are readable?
10,17,05
